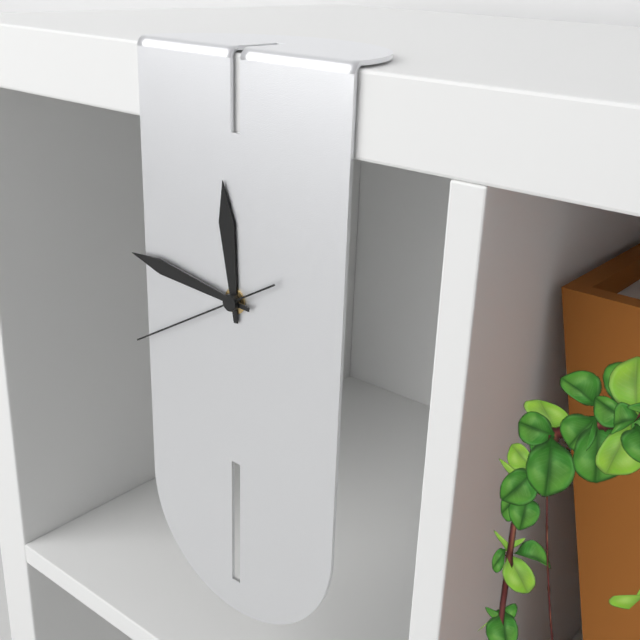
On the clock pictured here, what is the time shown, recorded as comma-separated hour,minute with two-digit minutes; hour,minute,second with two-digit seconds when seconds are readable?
11,46,40
